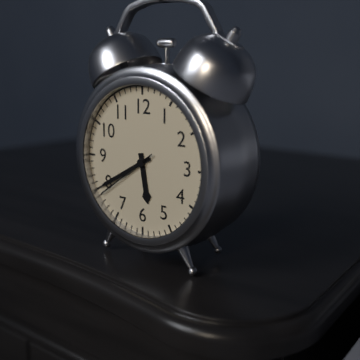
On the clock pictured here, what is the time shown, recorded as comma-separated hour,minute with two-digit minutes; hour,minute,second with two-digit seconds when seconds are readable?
5,40,39
